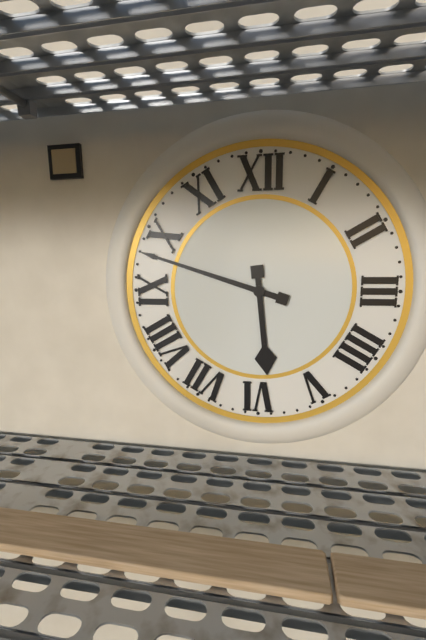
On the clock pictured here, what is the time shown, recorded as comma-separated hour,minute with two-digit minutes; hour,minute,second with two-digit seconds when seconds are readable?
5,48
